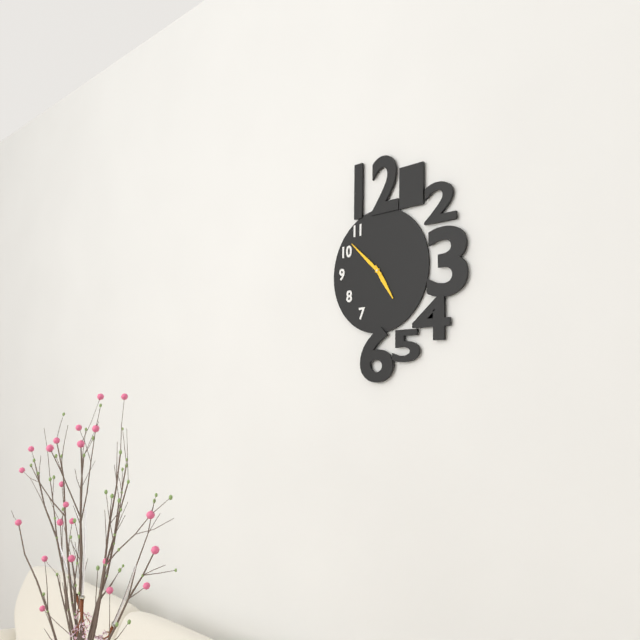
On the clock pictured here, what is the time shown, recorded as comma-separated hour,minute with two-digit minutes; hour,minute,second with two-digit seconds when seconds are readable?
4,52
